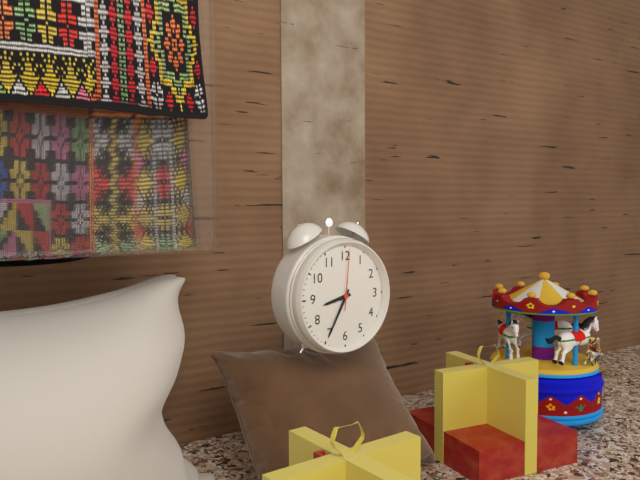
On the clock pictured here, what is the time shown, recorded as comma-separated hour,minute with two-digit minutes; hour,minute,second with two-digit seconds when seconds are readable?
8,35,01
